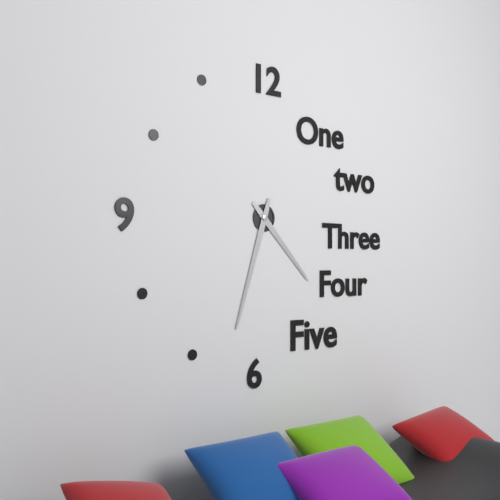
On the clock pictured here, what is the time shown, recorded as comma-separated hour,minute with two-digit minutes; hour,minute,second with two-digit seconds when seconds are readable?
4,33
